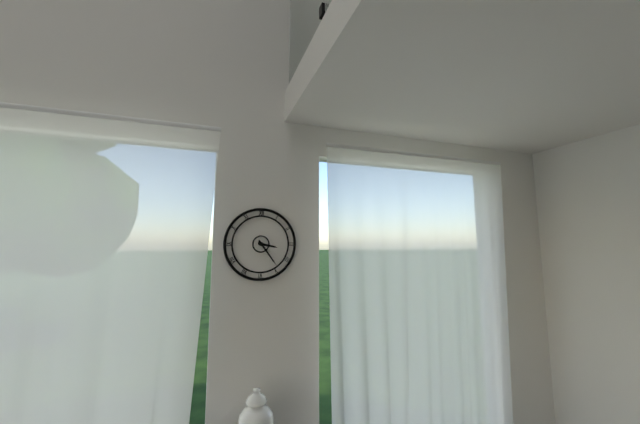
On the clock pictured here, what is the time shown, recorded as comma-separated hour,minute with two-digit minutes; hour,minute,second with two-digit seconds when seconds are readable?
3,24
